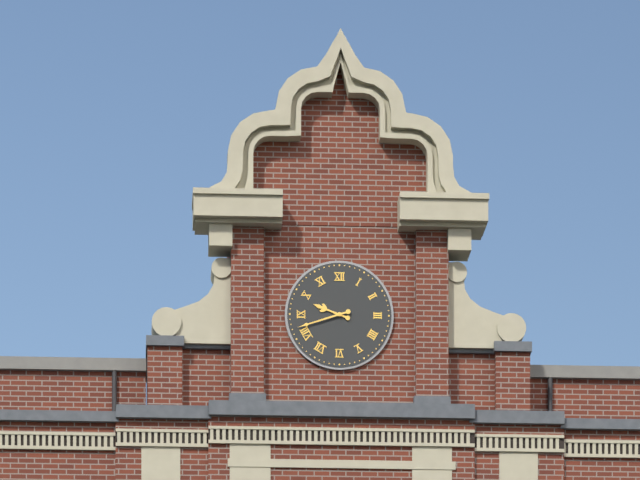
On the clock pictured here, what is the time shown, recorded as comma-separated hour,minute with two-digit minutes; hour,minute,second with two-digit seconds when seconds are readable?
9,42
